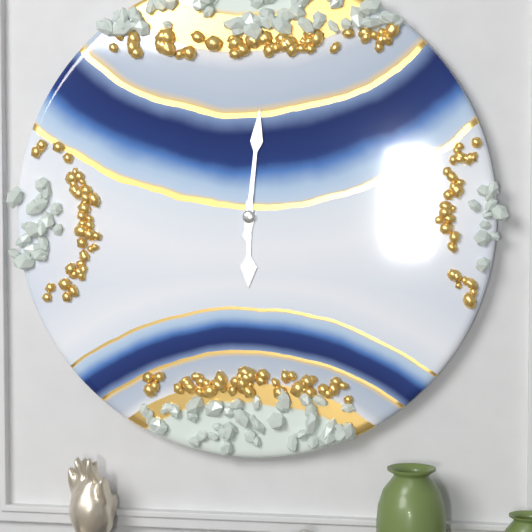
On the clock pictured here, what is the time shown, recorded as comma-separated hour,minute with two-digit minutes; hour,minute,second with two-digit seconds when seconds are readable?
6,01
